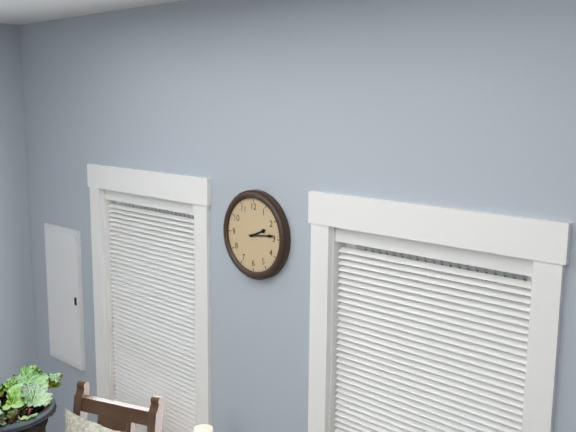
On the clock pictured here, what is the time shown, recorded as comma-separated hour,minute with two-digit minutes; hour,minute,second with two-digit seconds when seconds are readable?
2,14
